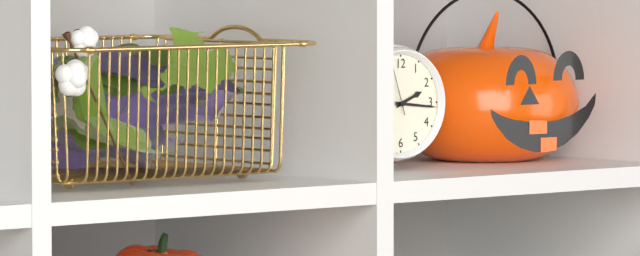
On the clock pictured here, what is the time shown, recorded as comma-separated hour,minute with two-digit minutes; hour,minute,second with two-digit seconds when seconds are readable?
2,16,57
